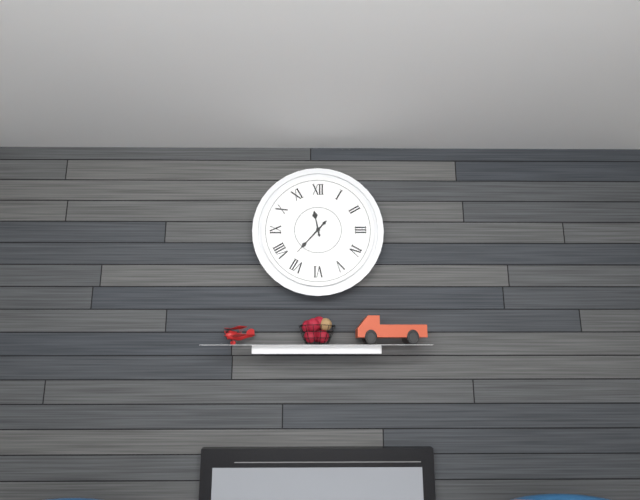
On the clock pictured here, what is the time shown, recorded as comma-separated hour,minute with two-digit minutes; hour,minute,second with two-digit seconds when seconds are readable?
11,37
